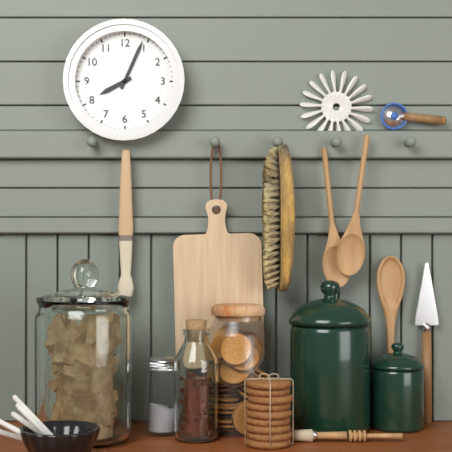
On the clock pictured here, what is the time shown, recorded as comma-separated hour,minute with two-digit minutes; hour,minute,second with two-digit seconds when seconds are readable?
8,04
